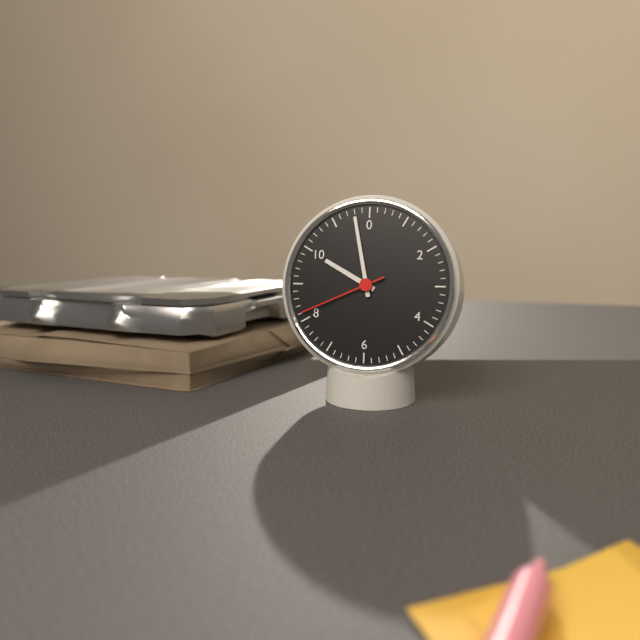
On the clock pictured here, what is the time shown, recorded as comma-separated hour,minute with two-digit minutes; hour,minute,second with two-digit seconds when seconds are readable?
9,58,41
